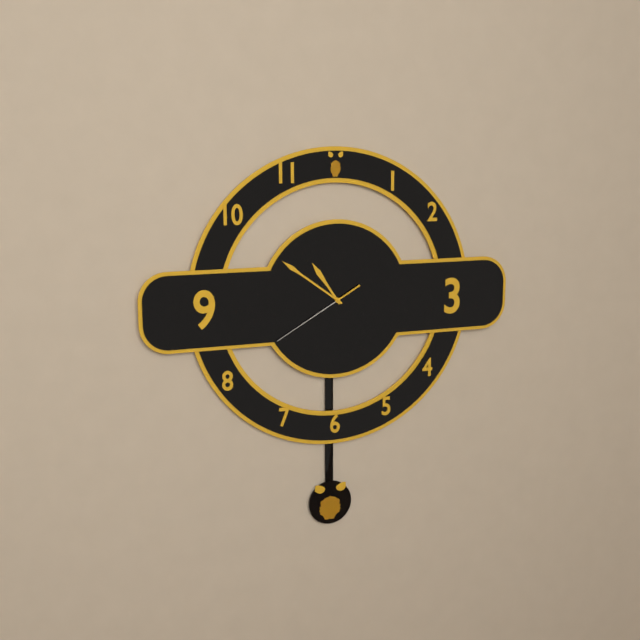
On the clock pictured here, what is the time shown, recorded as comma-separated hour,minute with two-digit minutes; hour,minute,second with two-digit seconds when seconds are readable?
10,51,40
